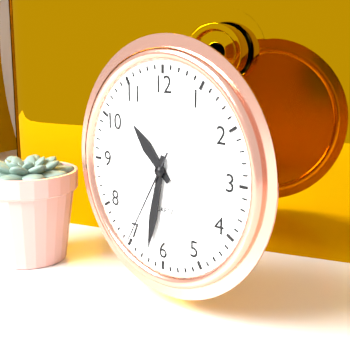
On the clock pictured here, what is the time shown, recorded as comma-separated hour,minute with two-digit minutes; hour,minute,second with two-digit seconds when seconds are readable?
10,32,35
